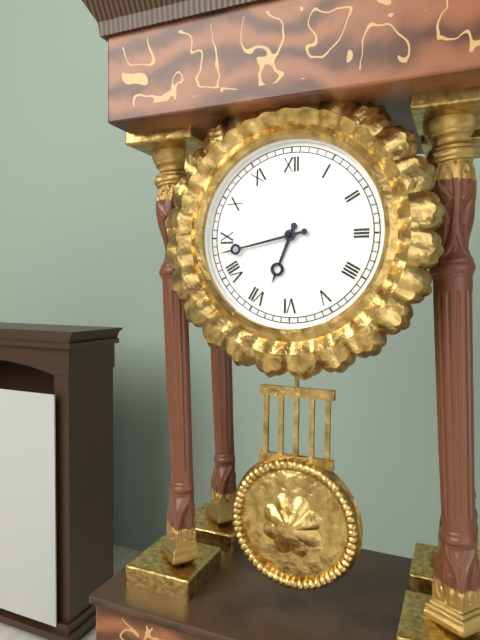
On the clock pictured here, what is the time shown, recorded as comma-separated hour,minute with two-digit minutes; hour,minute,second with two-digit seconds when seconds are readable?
6,43
